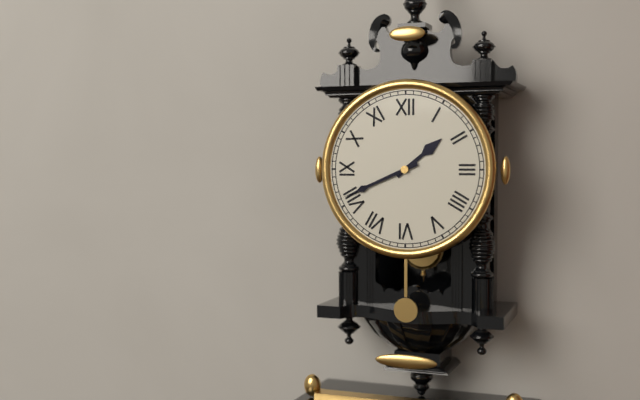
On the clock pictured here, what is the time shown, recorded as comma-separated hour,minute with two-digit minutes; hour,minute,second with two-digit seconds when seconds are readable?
1,41
